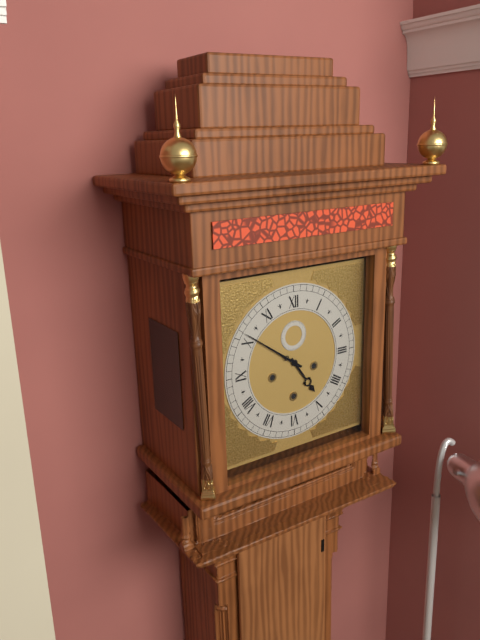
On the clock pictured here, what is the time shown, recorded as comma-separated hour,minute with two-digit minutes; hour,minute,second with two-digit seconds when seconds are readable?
4,51
